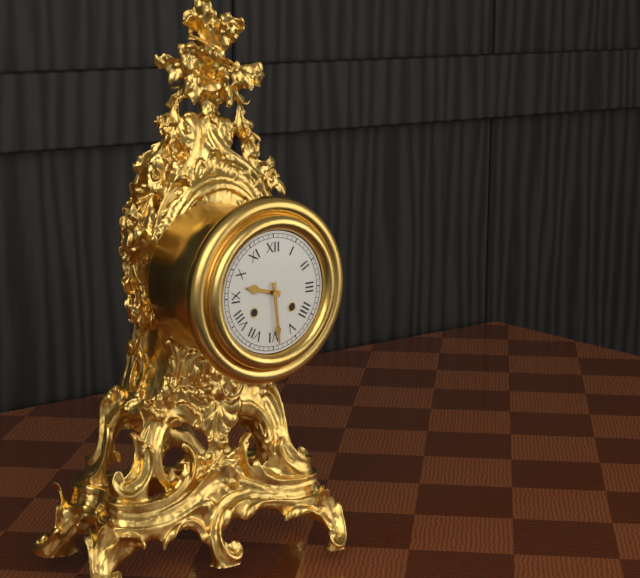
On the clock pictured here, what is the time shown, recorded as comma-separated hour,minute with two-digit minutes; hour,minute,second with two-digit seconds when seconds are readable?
9,29
